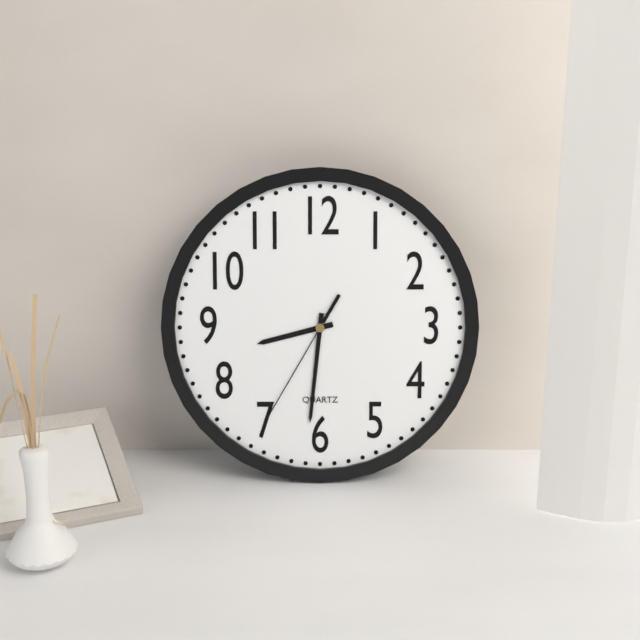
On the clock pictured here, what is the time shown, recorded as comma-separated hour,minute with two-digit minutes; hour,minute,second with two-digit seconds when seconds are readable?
8,31,35
